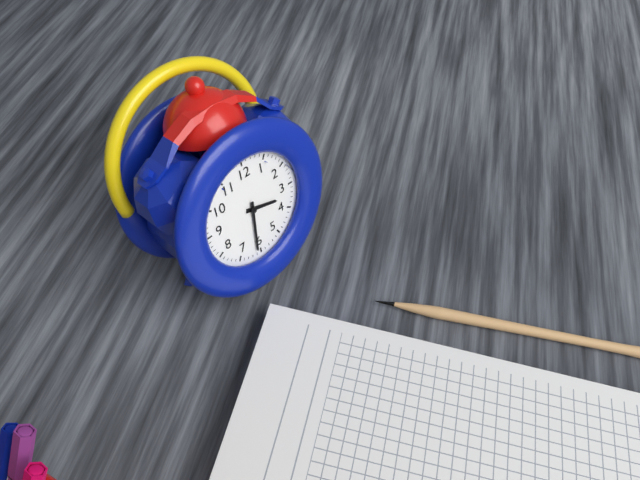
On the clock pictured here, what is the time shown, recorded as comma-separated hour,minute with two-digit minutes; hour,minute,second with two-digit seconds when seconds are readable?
3,31
